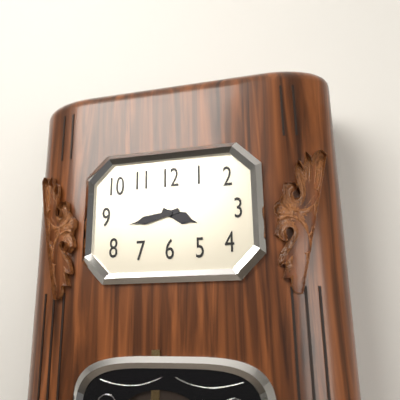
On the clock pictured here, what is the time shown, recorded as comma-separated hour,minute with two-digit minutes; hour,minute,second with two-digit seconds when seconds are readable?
3,43
